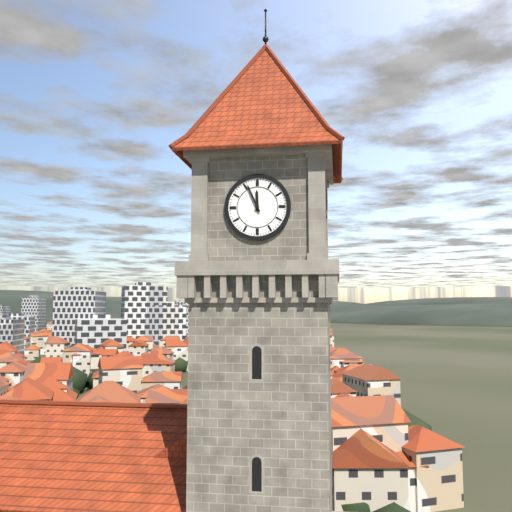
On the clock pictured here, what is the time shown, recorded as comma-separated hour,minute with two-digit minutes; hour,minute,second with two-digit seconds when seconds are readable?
11,56
